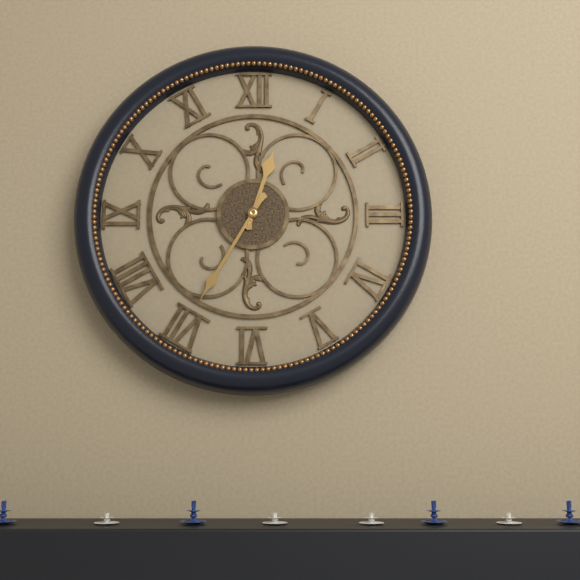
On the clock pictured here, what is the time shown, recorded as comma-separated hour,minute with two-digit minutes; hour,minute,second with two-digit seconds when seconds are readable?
12,35
